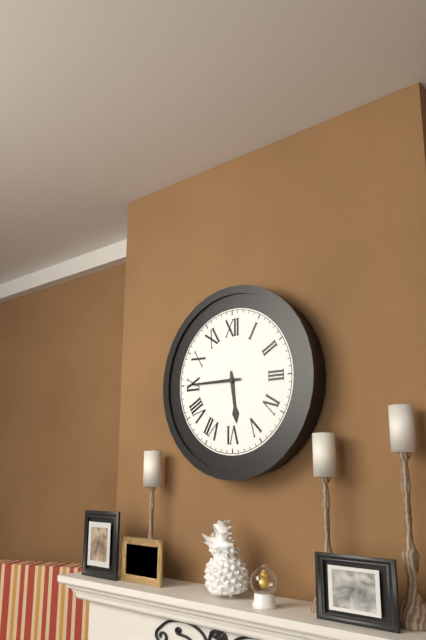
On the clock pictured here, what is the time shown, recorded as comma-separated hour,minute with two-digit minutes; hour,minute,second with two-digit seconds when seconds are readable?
5,45
